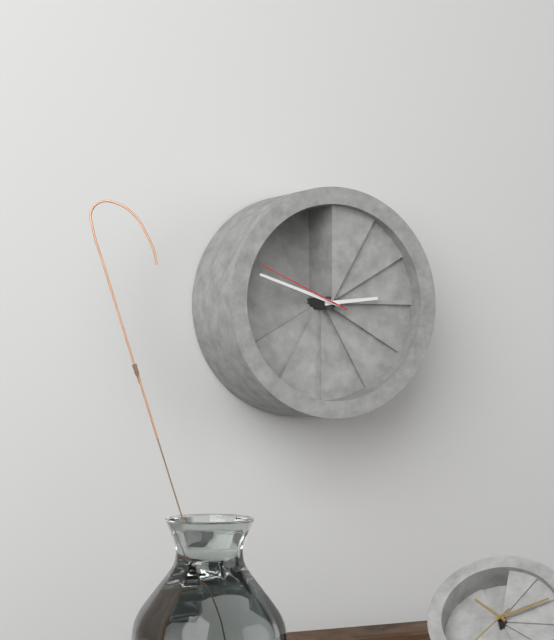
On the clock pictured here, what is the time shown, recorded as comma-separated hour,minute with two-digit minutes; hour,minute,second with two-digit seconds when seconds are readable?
2,48,49
